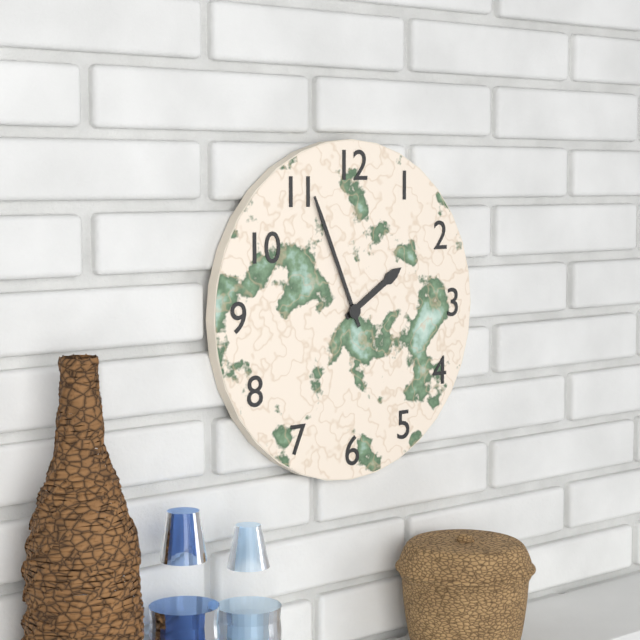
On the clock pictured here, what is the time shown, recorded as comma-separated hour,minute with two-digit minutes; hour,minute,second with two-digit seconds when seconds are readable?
1,56
